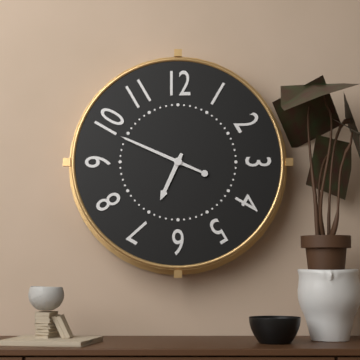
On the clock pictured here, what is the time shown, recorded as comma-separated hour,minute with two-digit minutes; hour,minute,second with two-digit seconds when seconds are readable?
6,49
